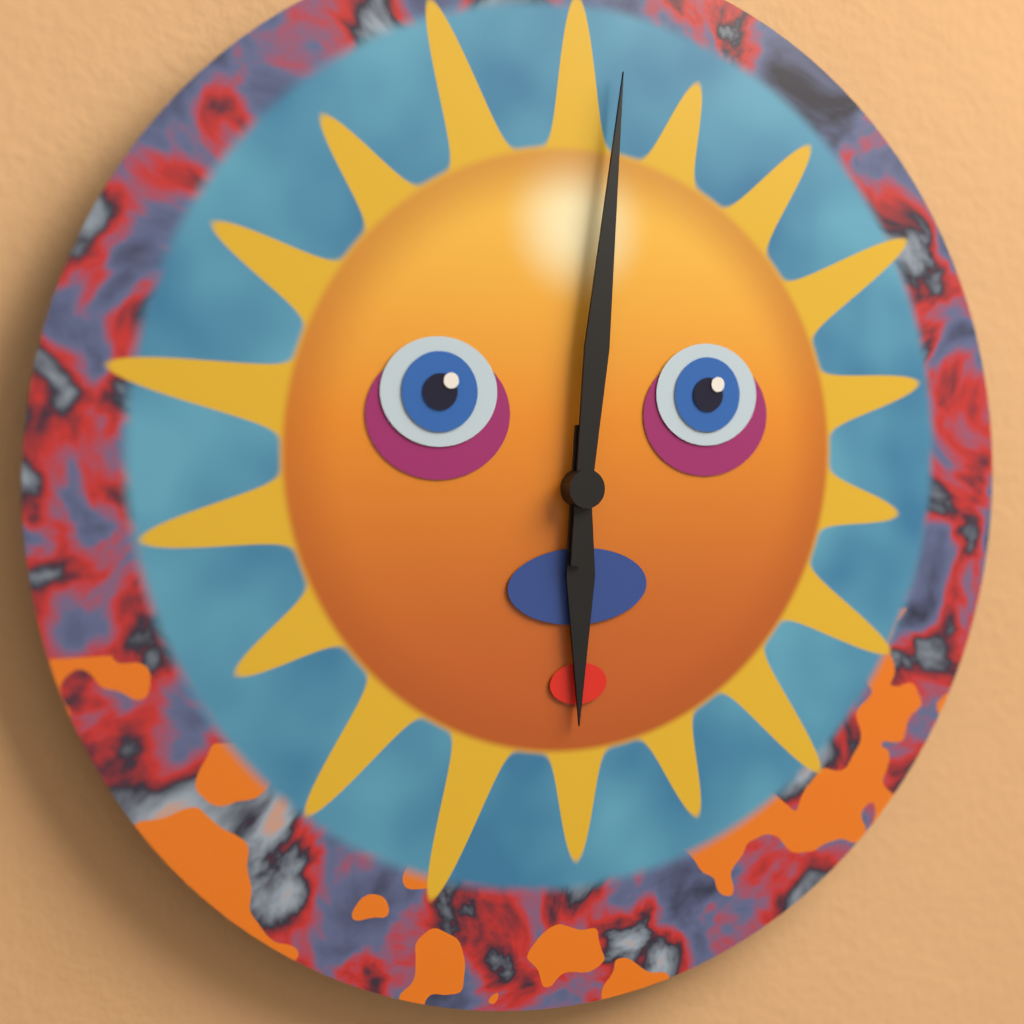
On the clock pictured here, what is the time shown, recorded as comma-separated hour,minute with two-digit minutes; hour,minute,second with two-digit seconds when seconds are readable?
6,01
